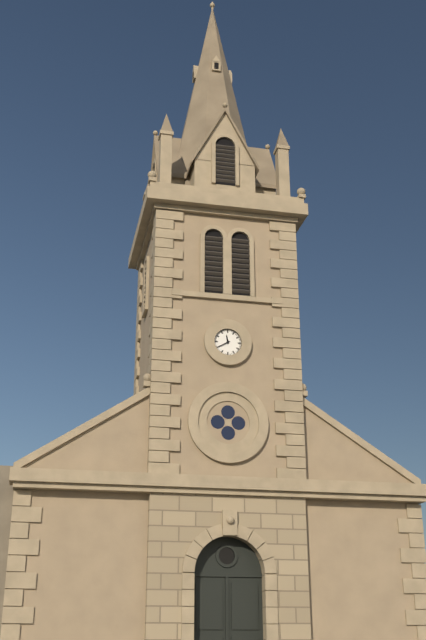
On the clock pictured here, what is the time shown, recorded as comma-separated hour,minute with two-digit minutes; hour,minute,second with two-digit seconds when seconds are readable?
11,40
